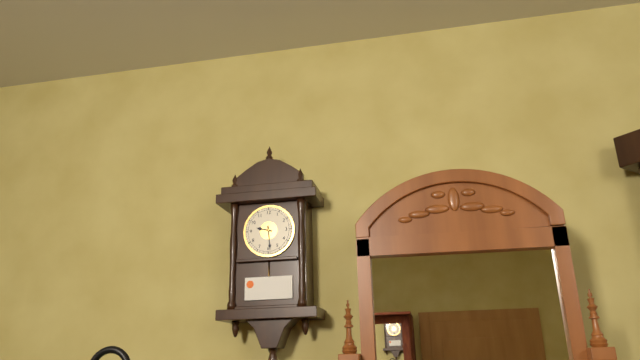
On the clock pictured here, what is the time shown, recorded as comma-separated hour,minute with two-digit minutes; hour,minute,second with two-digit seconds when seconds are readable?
9,29
